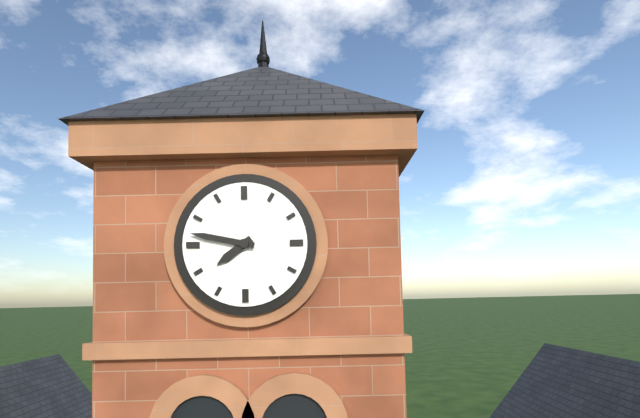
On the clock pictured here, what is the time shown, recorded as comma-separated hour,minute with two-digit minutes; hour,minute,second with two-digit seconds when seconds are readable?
7,47
